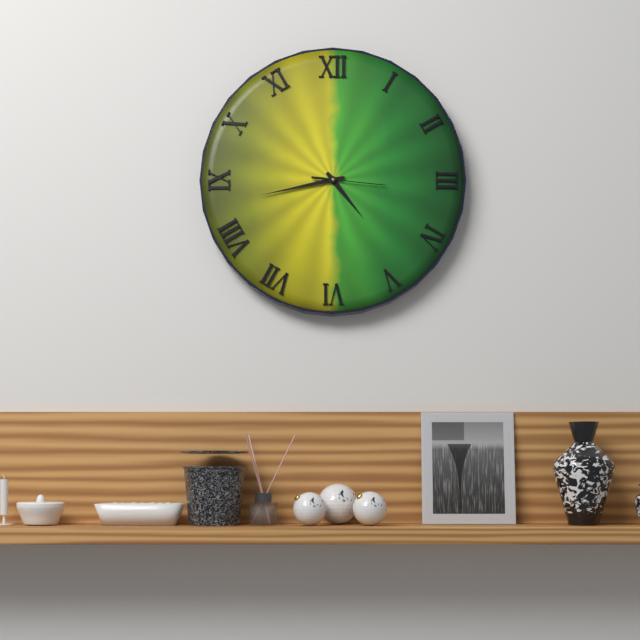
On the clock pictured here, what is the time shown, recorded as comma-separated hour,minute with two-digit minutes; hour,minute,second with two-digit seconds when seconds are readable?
4,43,16
